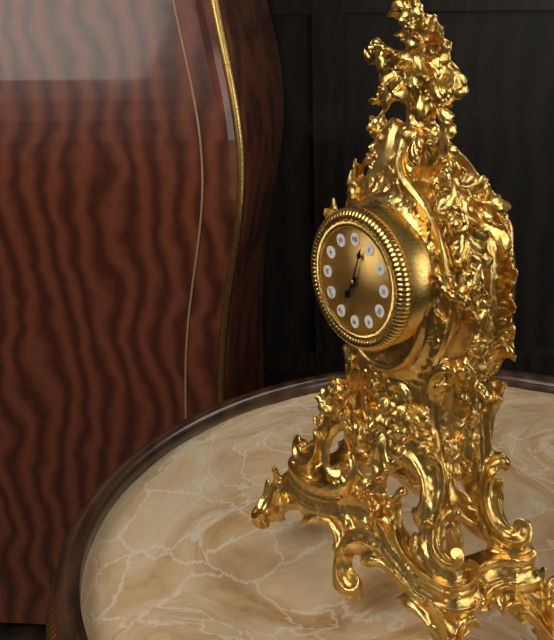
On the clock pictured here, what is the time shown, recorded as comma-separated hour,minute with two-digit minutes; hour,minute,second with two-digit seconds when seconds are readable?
7,03
